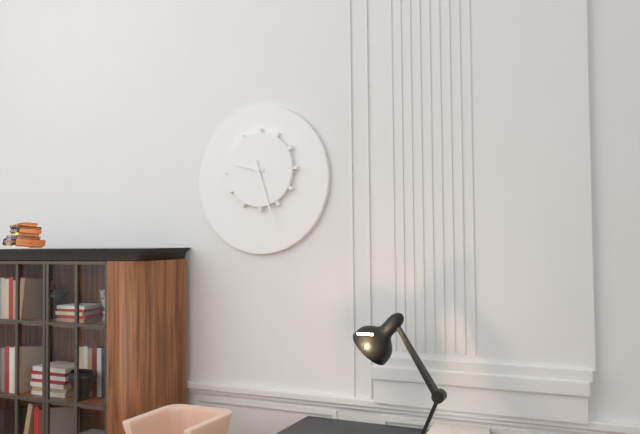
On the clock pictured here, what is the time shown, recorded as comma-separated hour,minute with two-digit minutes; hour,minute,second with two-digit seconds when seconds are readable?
9,27
